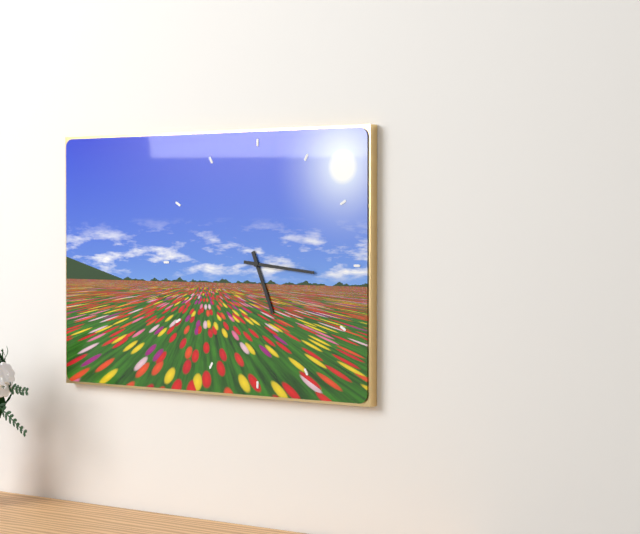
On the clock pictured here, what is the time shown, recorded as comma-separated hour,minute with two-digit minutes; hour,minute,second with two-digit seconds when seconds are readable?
5,16
